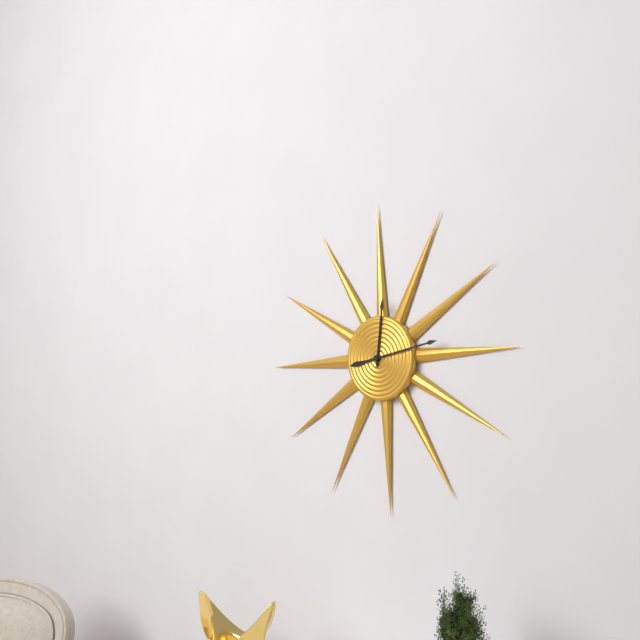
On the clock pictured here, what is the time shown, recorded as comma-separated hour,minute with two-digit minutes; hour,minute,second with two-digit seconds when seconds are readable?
12,13
